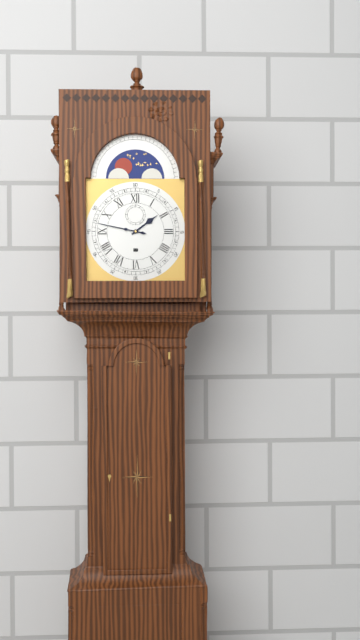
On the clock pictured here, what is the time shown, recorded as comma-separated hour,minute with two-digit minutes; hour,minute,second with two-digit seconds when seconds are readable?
1,47
